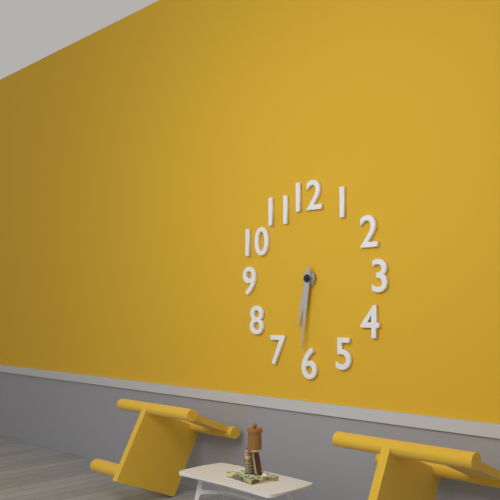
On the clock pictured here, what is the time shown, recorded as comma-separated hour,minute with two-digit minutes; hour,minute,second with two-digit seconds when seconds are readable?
6,31
